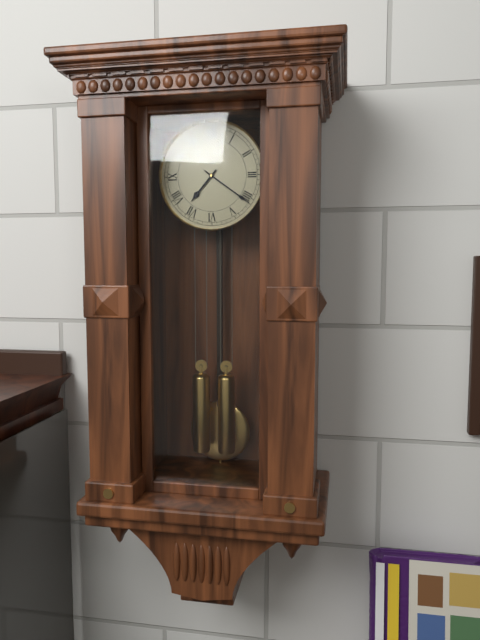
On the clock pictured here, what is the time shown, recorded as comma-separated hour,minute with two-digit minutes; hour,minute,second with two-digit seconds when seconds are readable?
7,21
